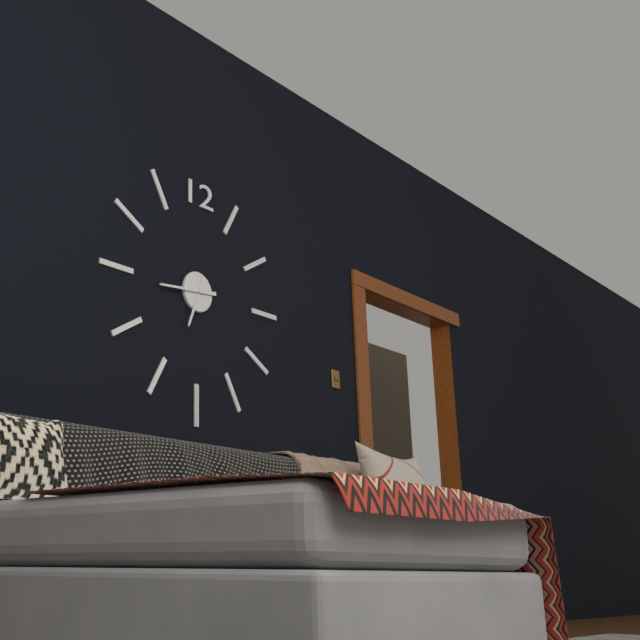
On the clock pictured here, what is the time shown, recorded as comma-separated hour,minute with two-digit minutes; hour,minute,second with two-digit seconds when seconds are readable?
6,44
